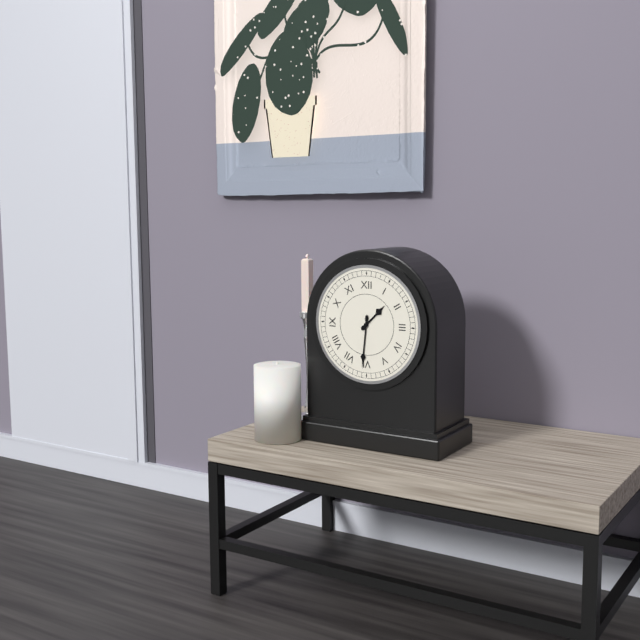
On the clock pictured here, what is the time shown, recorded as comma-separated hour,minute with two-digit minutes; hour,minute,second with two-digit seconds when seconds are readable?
1,31
